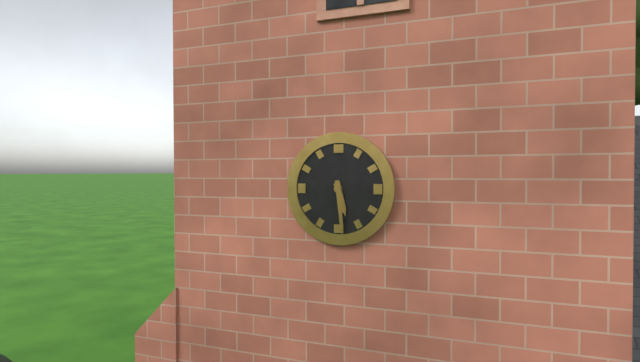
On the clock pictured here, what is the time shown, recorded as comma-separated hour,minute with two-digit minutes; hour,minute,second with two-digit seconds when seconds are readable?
5,29
